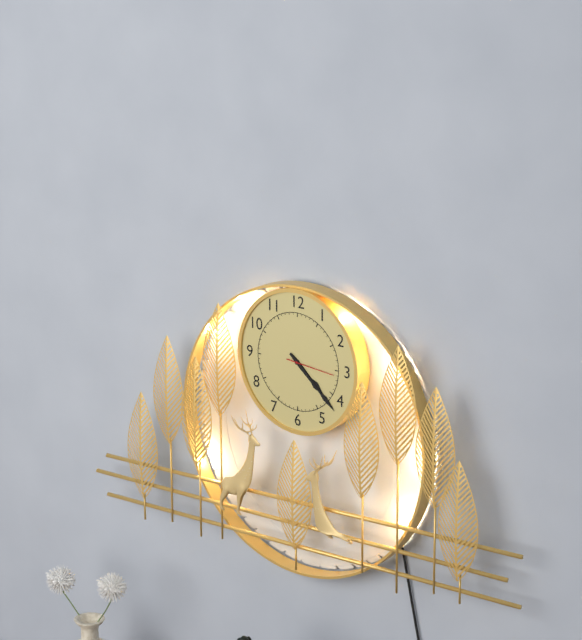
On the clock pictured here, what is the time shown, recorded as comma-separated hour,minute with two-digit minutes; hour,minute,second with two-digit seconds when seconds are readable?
4,22
